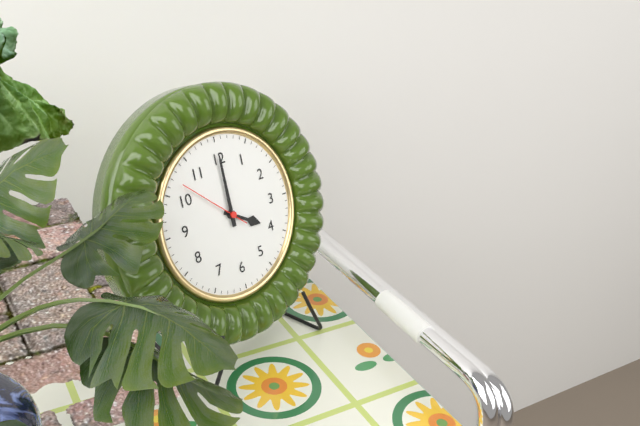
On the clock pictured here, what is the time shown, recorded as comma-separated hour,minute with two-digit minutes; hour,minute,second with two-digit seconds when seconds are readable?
4,00,52
